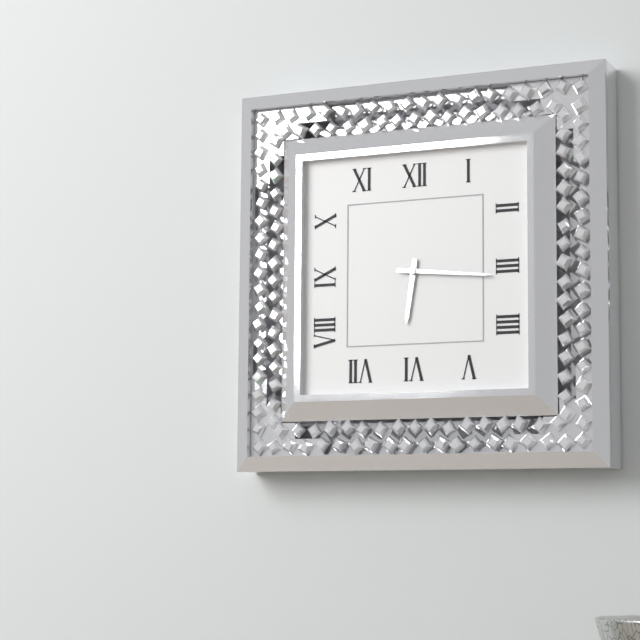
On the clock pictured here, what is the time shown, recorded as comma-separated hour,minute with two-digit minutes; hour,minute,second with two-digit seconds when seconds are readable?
6,16
